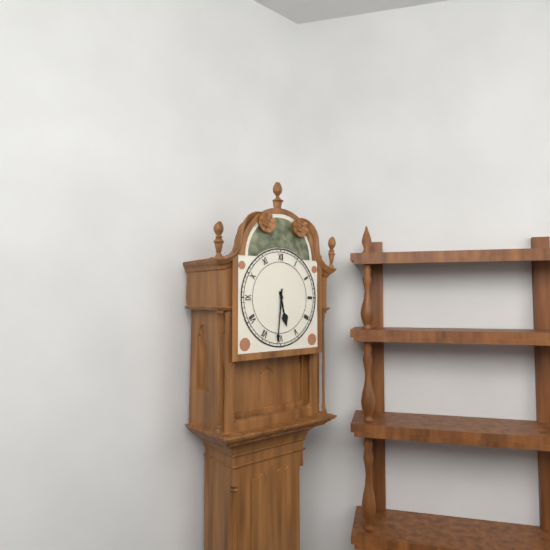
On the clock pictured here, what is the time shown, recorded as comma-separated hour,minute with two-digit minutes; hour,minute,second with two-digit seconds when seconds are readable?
5,31
